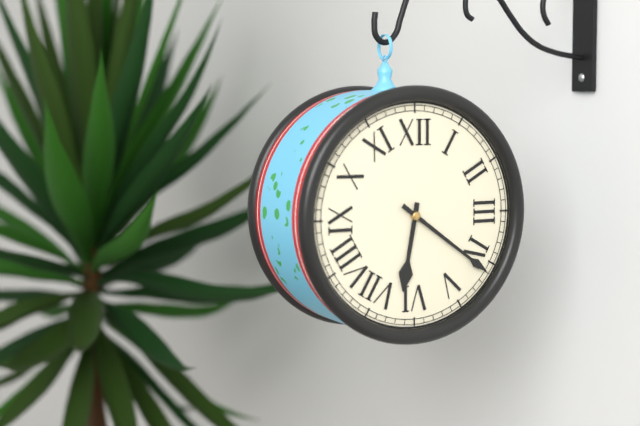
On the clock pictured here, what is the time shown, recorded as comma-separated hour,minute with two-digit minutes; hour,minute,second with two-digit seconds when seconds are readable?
6,21
